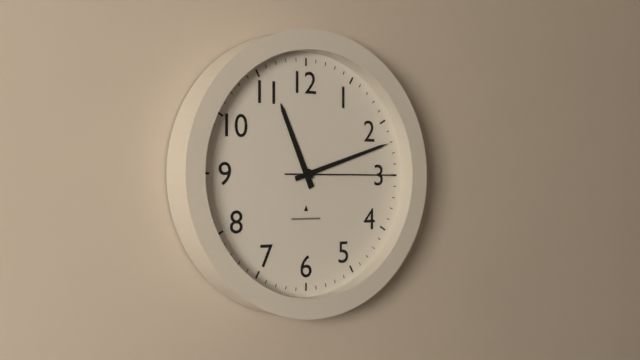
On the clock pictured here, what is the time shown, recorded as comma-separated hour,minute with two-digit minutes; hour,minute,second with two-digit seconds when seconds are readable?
11,12,15
